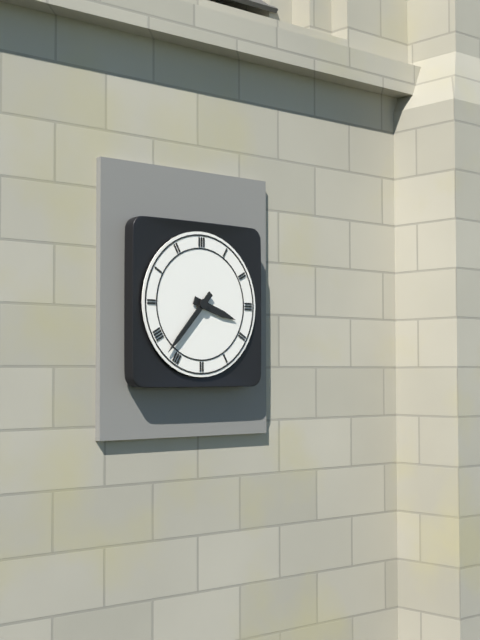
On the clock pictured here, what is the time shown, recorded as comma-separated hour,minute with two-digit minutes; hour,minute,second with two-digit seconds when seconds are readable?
3,37
